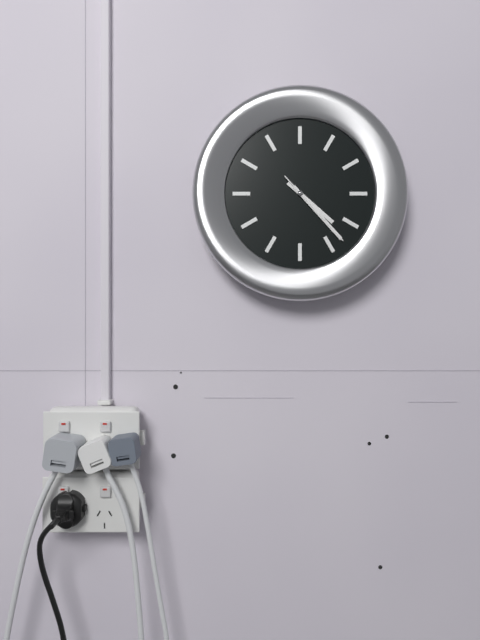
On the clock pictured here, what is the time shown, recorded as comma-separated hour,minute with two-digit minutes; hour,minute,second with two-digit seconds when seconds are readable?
4,23,23
